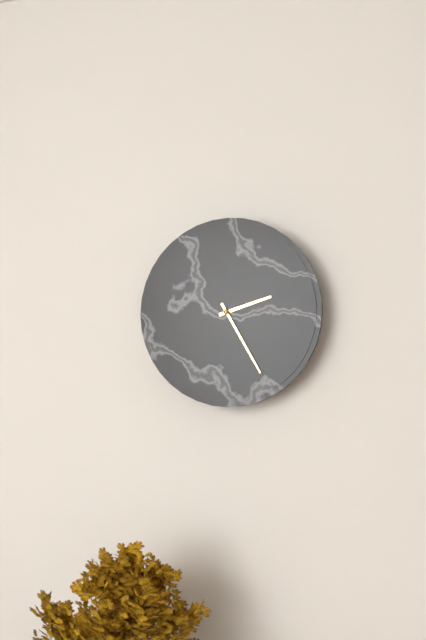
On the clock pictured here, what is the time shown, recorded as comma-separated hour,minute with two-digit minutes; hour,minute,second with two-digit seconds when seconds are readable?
2,25
